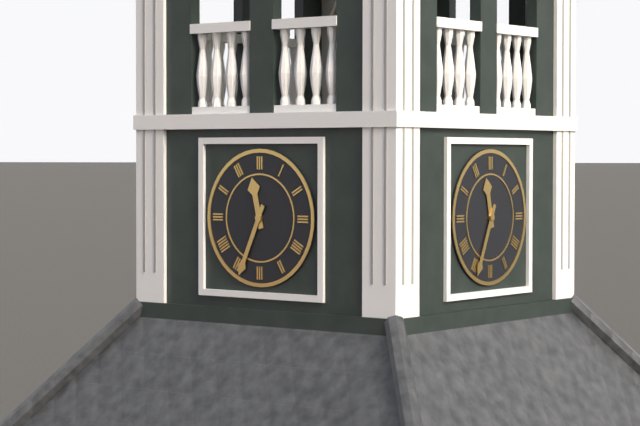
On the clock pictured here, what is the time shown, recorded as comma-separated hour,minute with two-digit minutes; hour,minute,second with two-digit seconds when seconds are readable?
11,34
